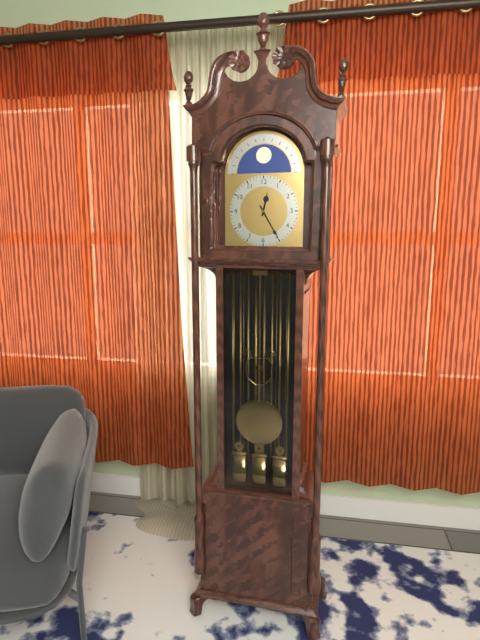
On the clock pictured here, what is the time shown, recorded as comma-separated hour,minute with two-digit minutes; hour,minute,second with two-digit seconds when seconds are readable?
12,25
